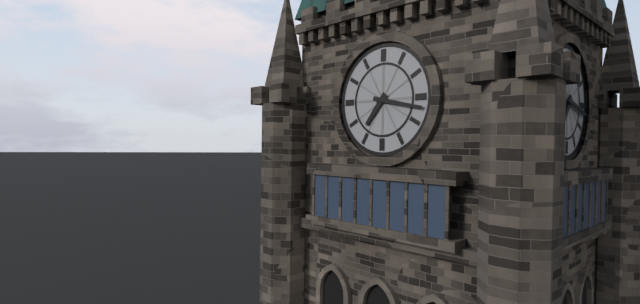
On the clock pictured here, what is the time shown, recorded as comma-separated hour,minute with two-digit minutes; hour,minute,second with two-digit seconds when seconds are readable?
7,17
